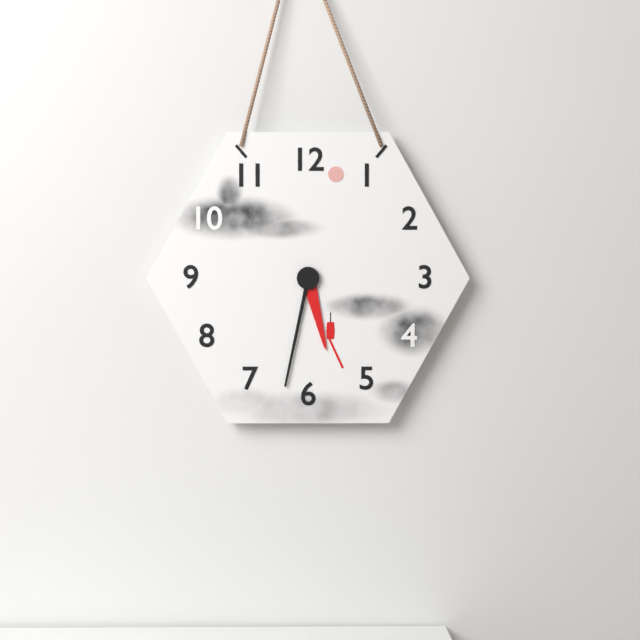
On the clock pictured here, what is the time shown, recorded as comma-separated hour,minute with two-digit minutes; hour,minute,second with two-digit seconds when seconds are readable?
5,32
